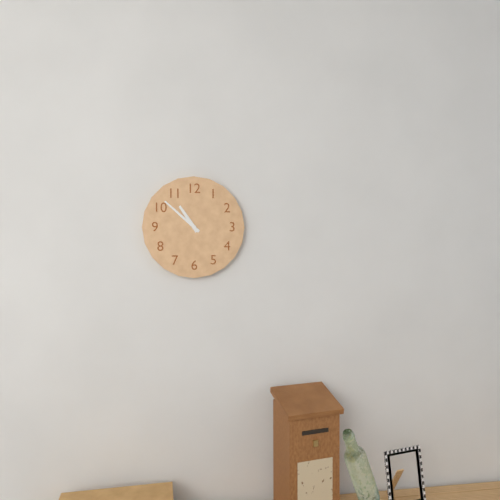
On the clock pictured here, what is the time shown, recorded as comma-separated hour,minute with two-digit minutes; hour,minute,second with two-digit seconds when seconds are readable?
10,52
